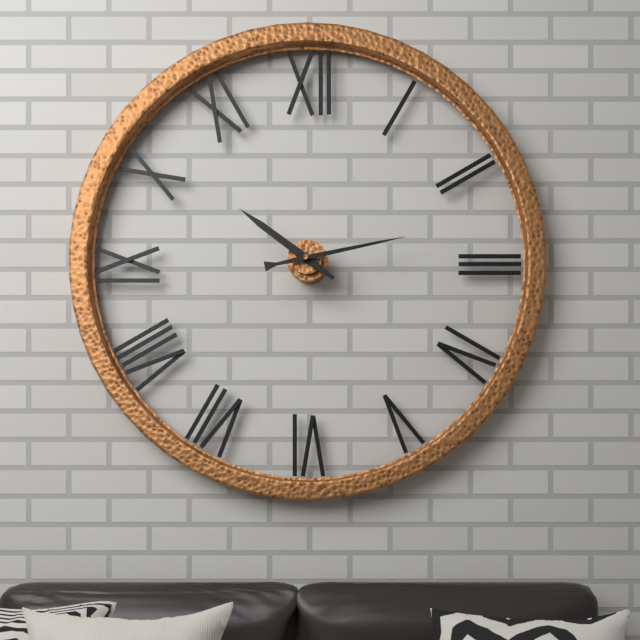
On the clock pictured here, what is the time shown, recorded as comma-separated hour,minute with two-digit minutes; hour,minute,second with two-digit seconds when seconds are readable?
10,13
